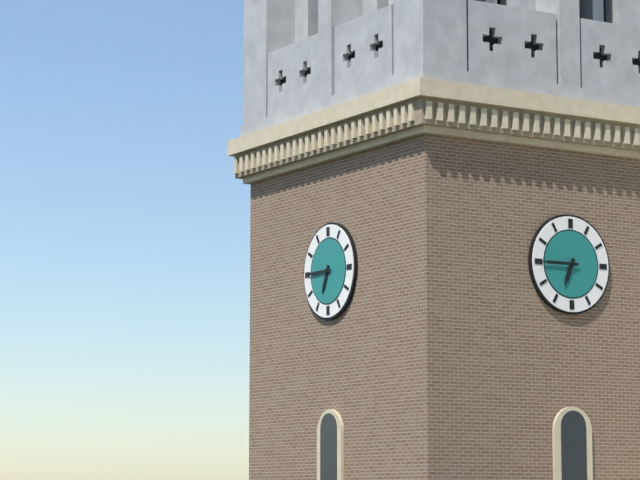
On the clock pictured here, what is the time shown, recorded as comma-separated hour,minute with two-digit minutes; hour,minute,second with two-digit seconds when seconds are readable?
6,45
